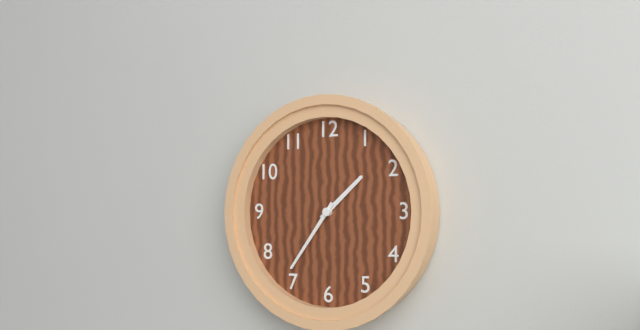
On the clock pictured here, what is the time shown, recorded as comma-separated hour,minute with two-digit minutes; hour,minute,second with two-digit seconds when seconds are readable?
1,36
